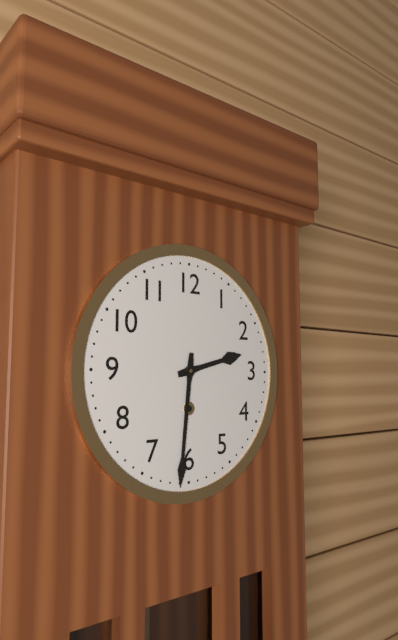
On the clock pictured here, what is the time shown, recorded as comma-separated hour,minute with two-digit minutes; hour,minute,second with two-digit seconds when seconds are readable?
2,31
